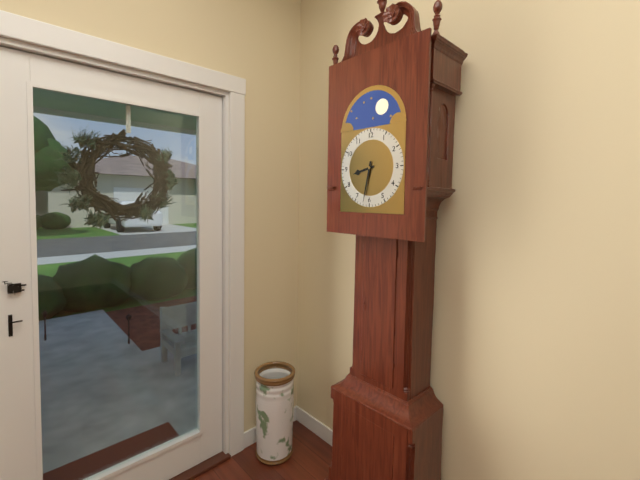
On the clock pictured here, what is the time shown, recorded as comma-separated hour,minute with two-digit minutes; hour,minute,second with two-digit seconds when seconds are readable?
8,32
